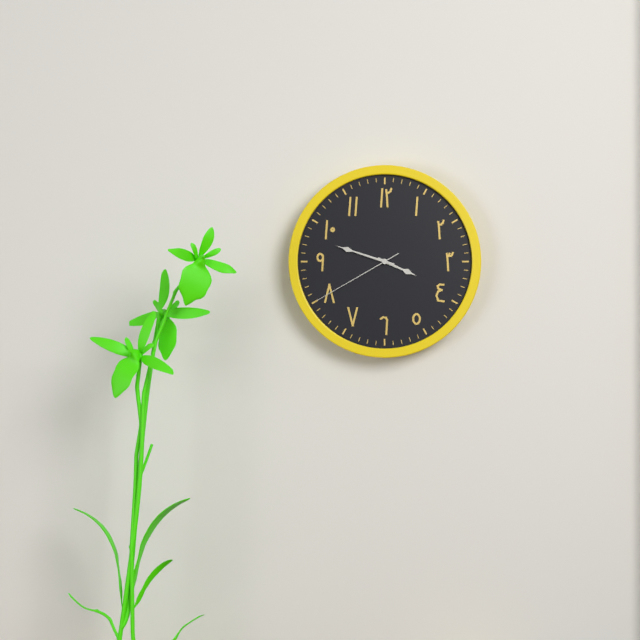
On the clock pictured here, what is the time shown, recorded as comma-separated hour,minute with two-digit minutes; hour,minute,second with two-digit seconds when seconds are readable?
3,48,40
